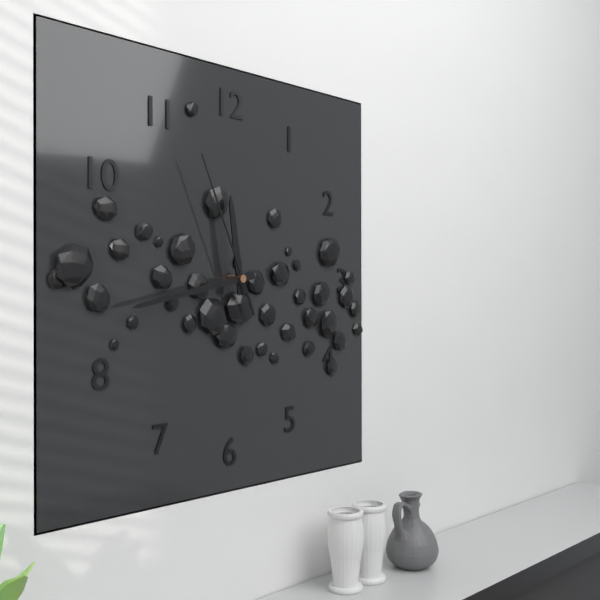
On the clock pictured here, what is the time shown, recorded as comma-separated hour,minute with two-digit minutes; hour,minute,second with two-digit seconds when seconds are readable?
11,43,56
